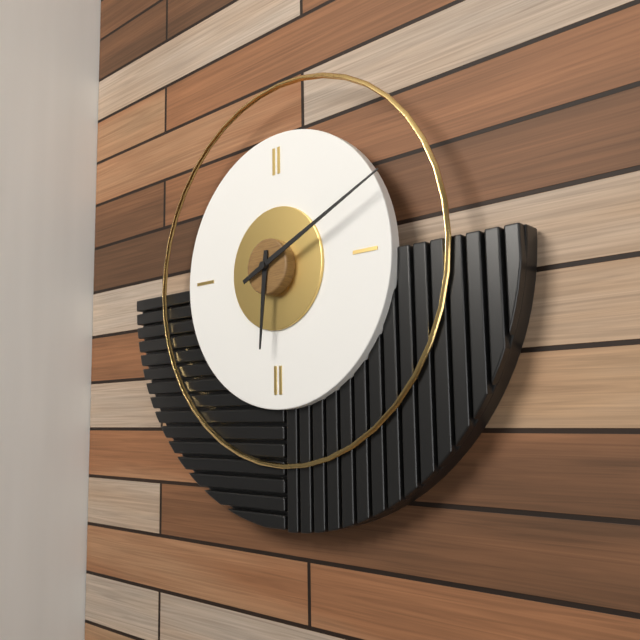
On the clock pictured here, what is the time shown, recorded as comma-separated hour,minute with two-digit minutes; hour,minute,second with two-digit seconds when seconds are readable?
6,11
